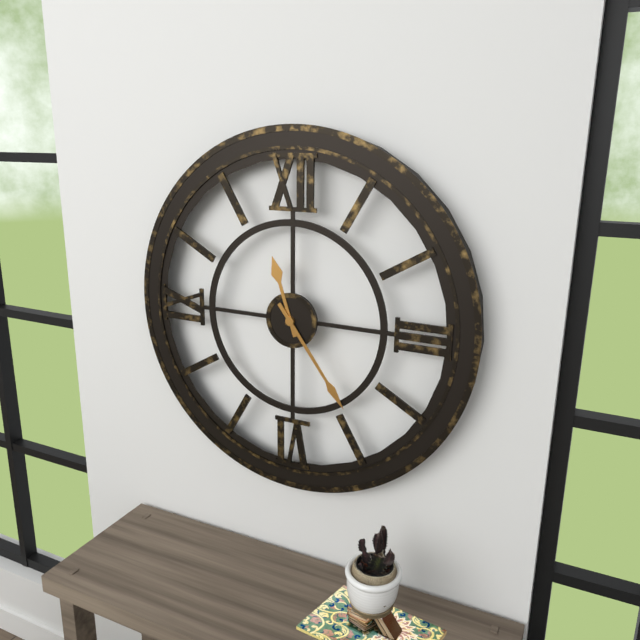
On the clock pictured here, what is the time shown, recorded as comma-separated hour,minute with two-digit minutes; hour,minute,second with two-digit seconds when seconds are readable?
11,24
